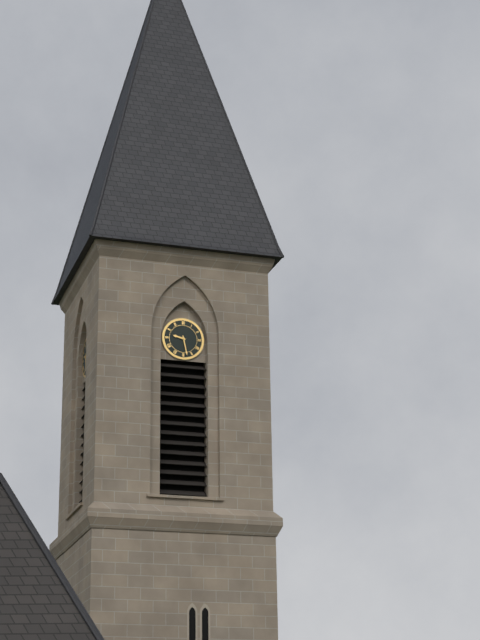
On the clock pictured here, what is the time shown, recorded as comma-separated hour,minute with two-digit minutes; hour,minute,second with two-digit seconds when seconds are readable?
9,28
